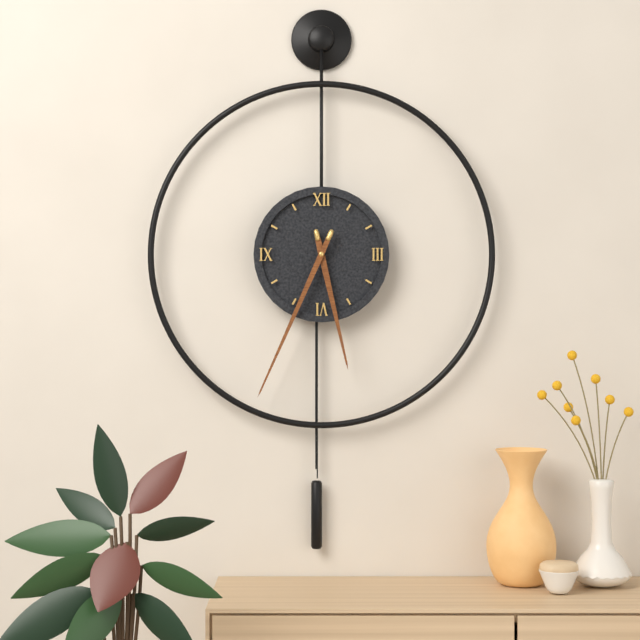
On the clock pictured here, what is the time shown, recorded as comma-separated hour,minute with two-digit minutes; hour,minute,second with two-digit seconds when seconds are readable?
5,34
